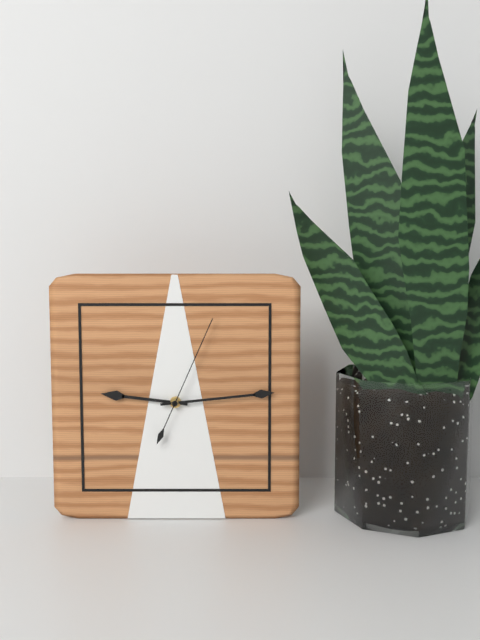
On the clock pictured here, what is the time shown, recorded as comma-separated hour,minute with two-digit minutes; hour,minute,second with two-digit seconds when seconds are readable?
9,14,04
